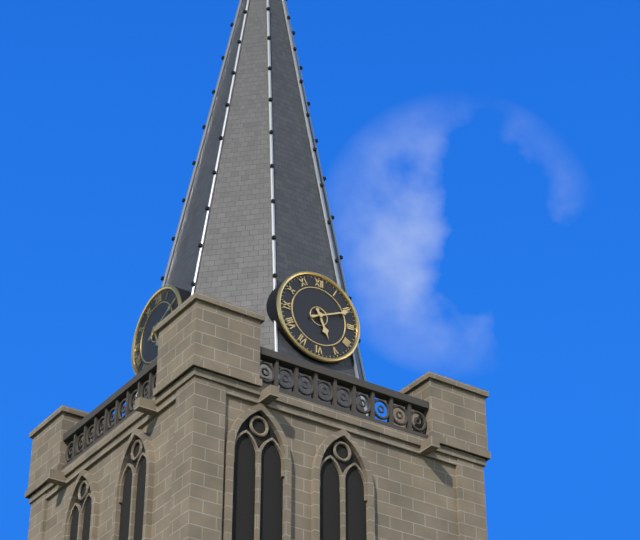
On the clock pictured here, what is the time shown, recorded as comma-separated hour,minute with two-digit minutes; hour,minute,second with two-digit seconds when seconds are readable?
5,11
